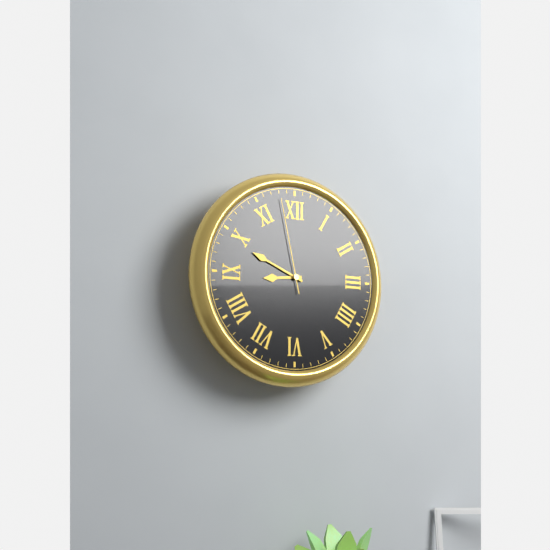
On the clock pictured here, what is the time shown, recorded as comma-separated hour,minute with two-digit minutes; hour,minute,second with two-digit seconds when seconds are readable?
8,49,58
